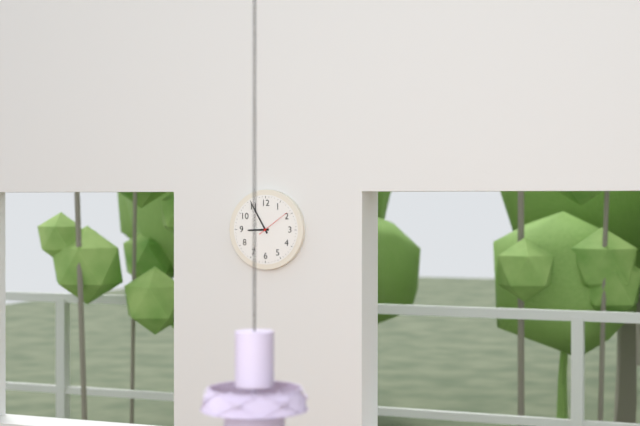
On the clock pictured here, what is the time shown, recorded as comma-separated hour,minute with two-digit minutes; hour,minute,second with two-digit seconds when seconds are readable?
8,55
